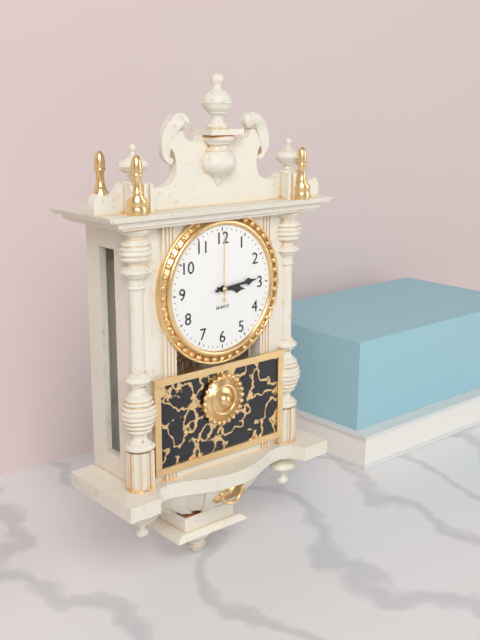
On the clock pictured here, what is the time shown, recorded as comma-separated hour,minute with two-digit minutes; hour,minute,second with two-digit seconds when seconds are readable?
3,14,00
